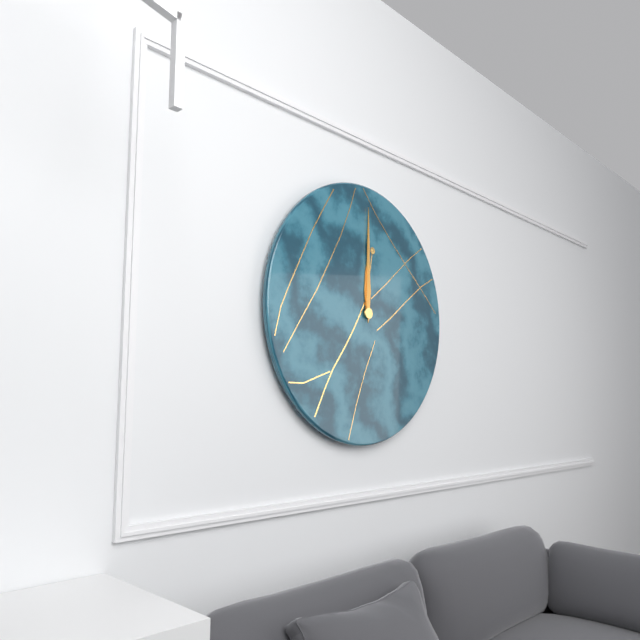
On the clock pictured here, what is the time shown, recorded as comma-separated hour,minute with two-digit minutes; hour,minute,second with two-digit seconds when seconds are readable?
12,00
